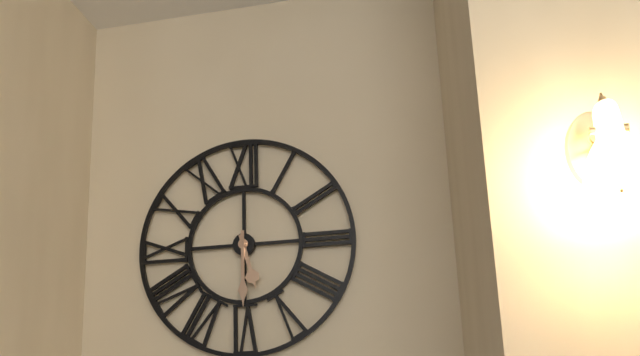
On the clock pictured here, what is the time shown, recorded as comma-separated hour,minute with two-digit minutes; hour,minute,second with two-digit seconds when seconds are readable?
5,30
